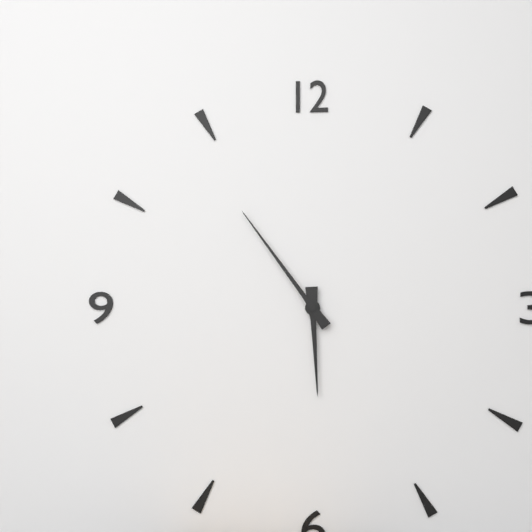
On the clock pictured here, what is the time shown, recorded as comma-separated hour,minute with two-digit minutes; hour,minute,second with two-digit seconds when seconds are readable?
5,54
